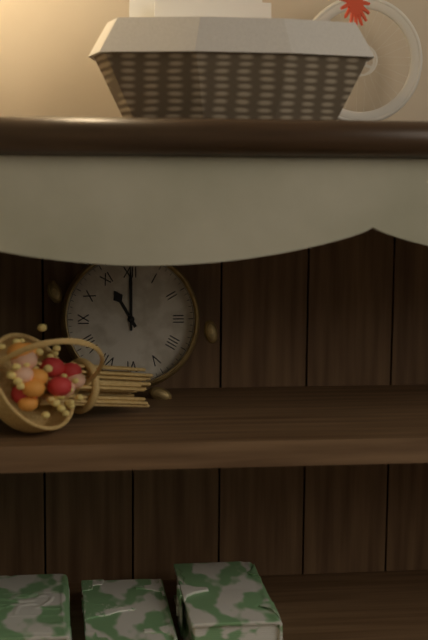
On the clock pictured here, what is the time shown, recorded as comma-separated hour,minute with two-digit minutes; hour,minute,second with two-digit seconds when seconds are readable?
11,00
